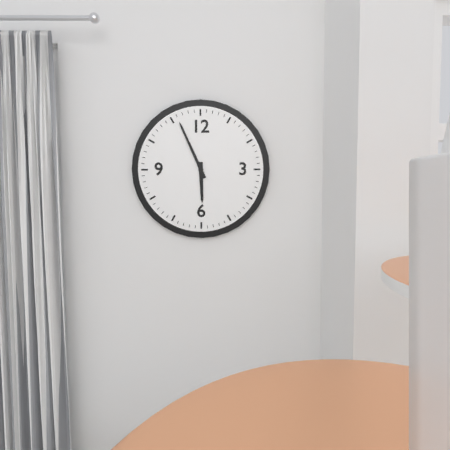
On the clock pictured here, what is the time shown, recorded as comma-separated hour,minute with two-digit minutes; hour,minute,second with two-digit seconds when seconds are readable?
5,56
